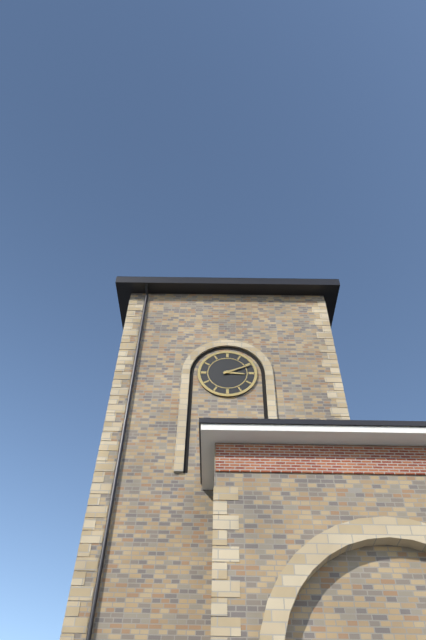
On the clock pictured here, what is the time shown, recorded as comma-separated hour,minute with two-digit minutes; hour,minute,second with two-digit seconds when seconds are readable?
3,11
